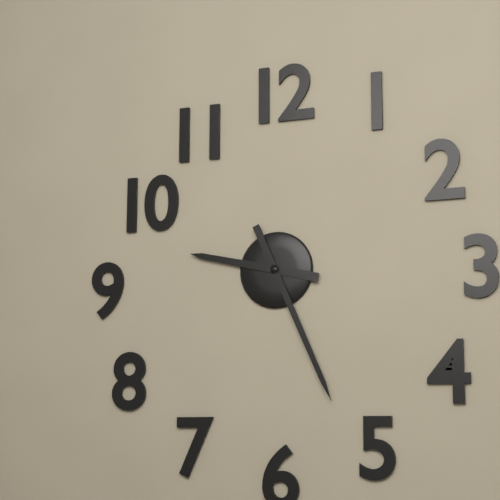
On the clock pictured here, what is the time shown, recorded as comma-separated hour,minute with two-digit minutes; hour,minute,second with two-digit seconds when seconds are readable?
9,26
